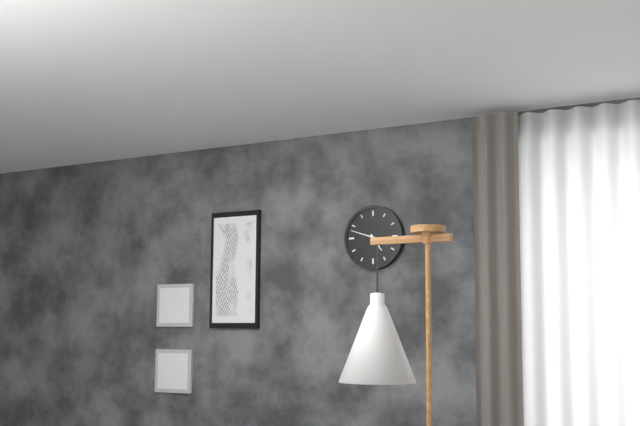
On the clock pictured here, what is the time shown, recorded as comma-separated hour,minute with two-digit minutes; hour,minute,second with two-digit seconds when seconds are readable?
4,48
